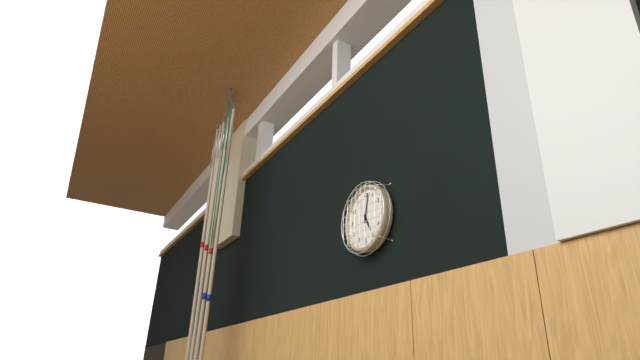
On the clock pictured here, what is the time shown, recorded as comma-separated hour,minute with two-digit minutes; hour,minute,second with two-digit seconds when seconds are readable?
5,02
